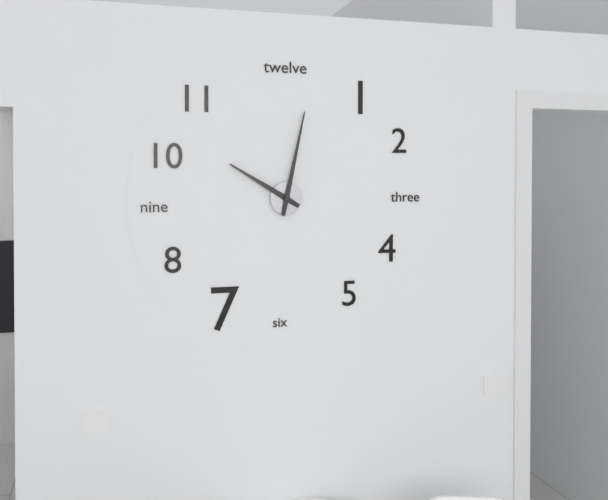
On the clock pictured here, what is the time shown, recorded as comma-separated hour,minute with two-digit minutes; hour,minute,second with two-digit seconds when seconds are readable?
10,02
